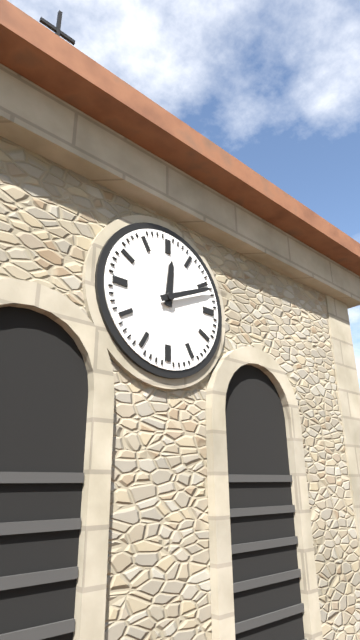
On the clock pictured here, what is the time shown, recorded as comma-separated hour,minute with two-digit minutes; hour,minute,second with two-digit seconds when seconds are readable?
12,11
